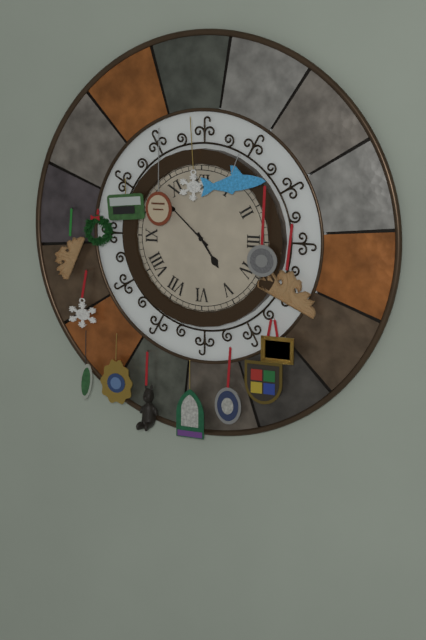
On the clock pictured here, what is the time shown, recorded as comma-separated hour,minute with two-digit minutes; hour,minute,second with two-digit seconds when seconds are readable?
4,52
